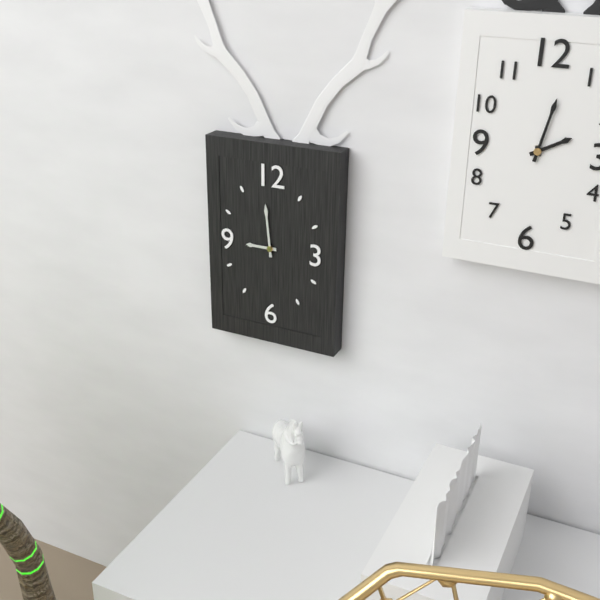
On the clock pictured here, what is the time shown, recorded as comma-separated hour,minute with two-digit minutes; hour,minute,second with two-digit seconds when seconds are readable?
8,59
